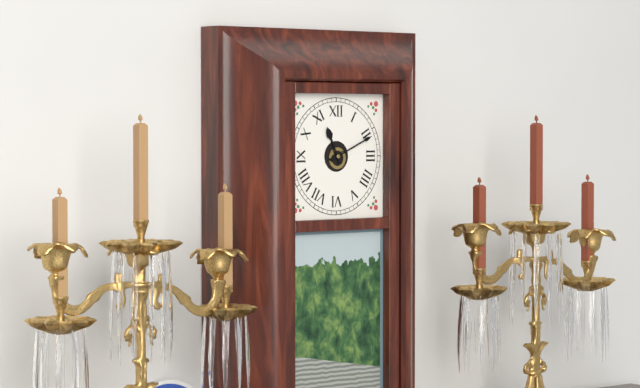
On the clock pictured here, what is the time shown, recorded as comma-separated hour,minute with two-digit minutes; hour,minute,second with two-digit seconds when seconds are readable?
11,11
